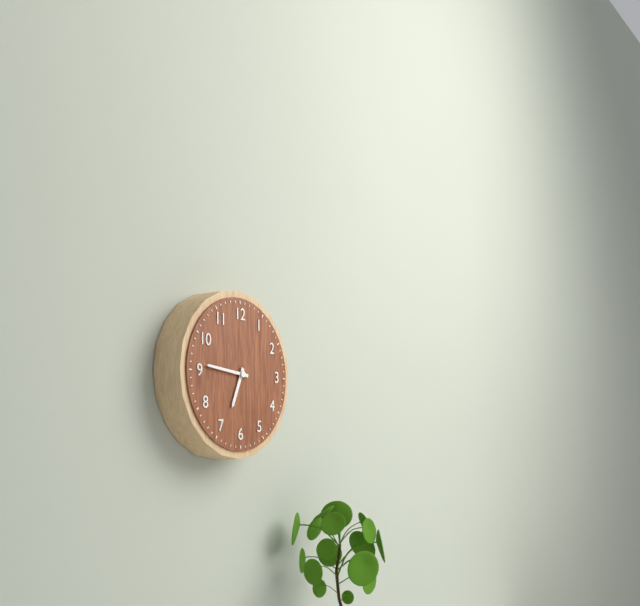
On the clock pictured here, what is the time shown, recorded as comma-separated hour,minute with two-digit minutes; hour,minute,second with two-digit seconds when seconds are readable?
6,46
